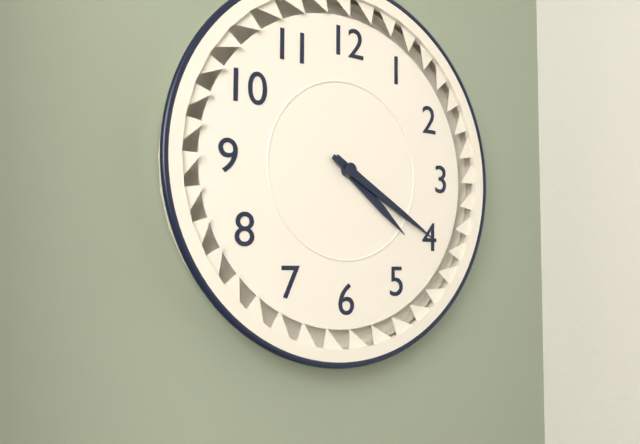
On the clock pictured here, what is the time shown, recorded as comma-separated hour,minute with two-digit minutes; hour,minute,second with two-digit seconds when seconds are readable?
4,20
